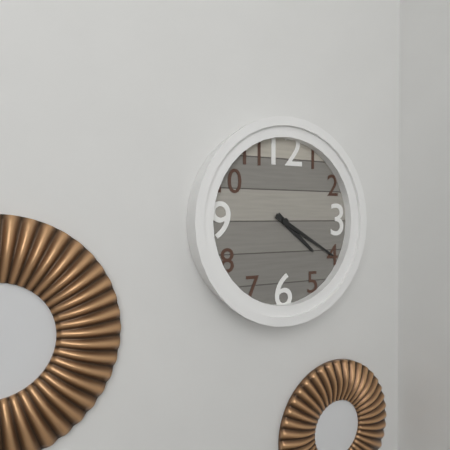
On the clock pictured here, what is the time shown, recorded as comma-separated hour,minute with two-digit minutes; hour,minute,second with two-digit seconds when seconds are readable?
4,20
